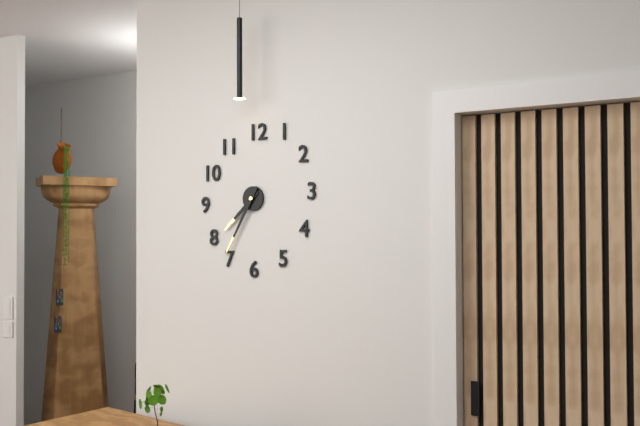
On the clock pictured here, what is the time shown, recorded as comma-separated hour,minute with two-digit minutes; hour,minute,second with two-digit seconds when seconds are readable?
7,35
